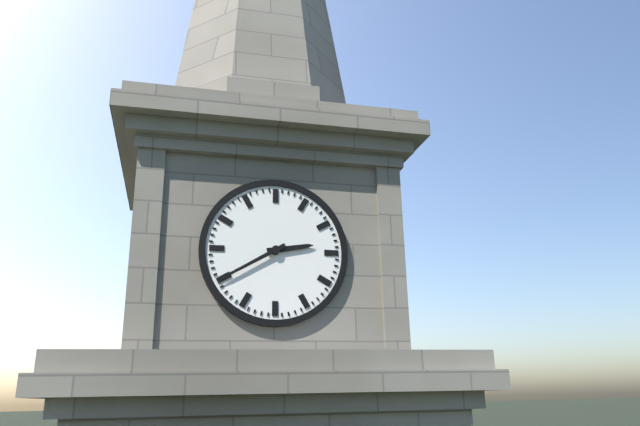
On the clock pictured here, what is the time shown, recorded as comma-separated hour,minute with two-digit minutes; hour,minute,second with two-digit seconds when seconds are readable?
2,40
